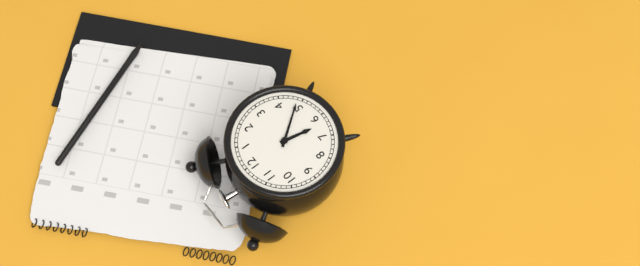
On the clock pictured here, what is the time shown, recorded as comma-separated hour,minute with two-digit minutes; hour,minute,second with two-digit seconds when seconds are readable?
6,24
